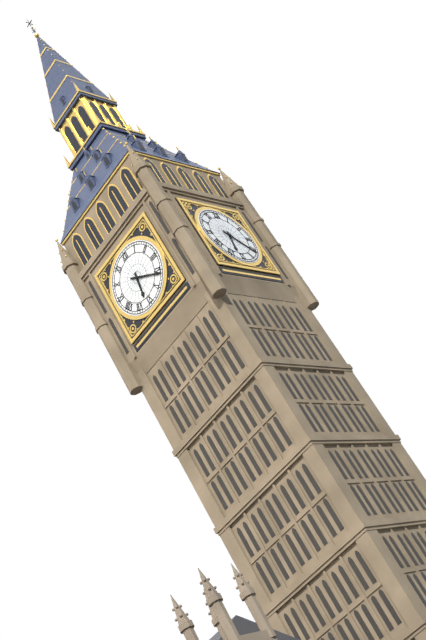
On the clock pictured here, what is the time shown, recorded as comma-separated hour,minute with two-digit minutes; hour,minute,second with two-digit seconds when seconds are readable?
6,21
